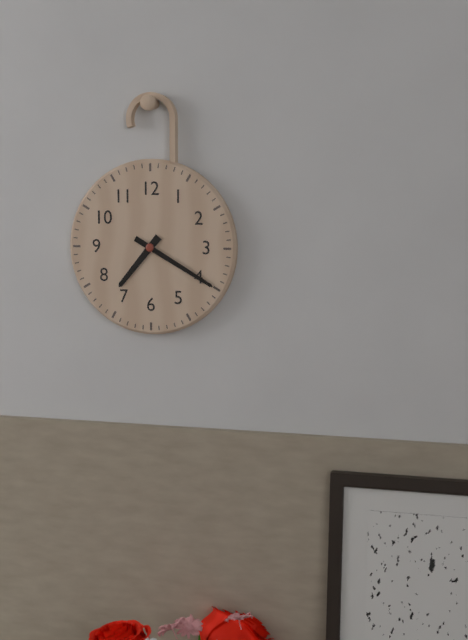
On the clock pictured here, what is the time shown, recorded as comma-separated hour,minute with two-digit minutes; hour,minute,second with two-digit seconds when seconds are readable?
7,20
